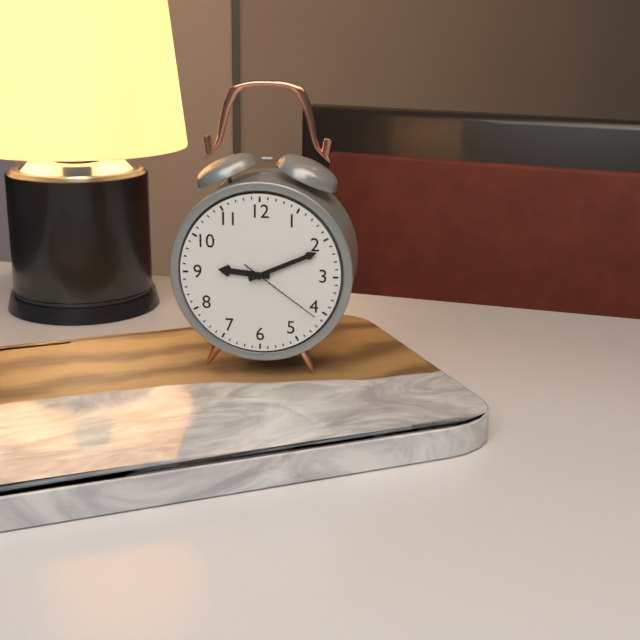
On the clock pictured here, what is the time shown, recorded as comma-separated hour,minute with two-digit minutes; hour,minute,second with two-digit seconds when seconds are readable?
9,11,21
